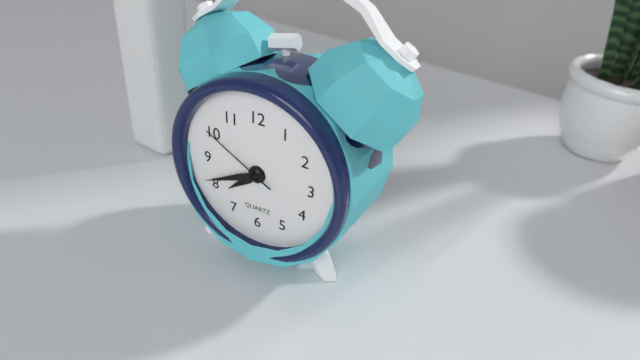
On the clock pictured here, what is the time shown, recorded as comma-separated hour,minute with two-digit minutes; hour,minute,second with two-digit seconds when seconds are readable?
7,41,50
